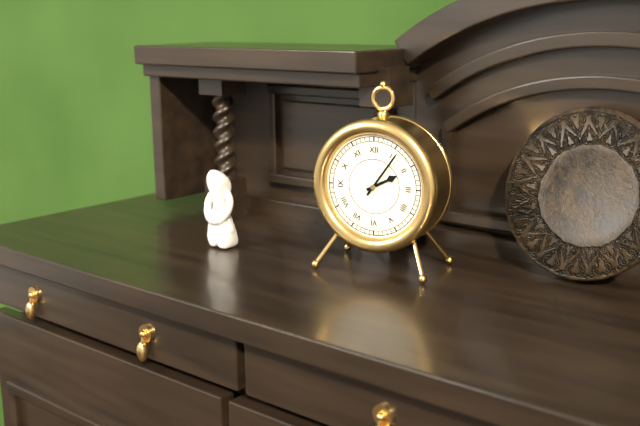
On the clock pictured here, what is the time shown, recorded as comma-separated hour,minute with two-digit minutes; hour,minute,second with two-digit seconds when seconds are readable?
2,06
